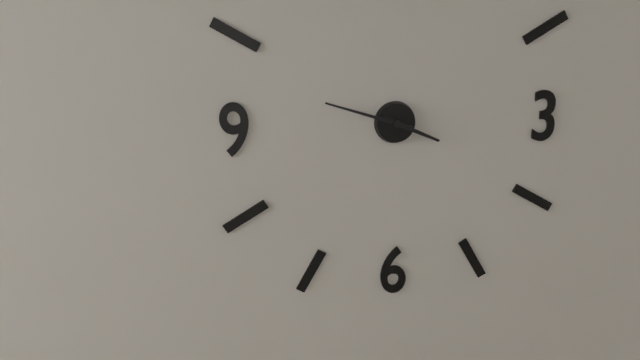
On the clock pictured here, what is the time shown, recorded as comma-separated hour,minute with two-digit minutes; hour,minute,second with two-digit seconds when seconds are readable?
3,48
